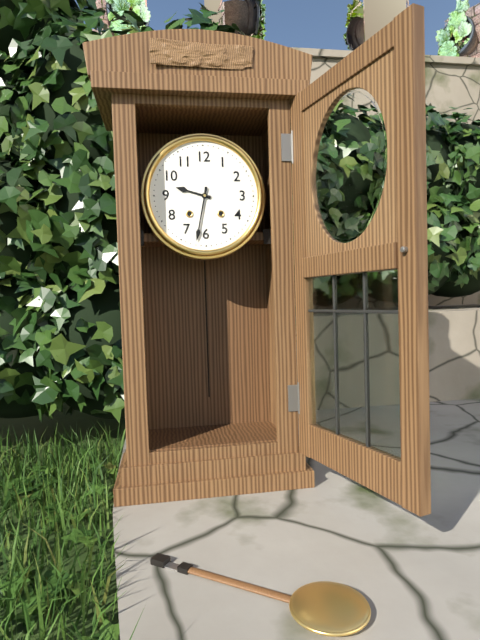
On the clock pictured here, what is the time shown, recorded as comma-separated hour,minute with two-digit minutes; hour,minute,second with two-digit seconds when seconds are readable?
9,32
